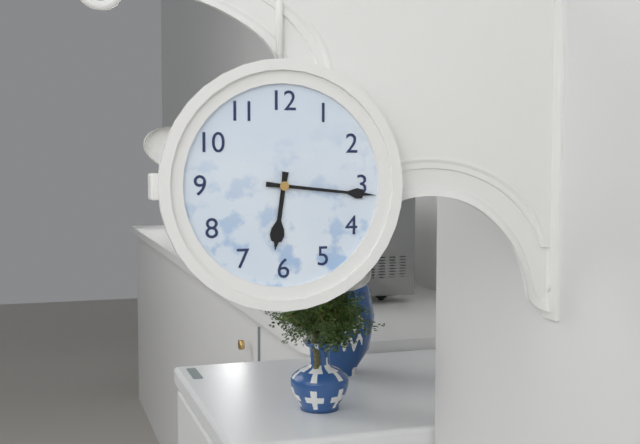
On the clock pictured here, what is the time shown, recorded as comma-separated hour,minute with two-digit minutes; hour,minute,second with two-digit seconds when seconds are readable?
6,16
